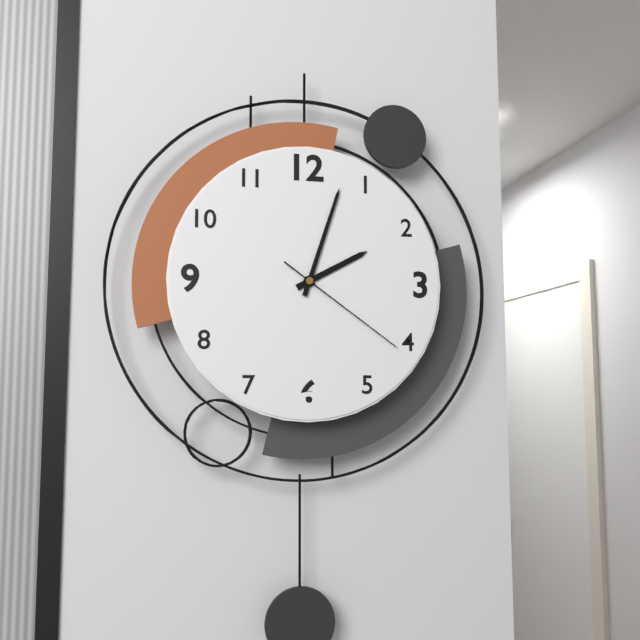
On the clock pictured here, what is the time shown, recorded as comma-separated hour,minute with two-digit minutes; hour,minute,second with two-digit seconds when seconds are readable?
2,03,21
